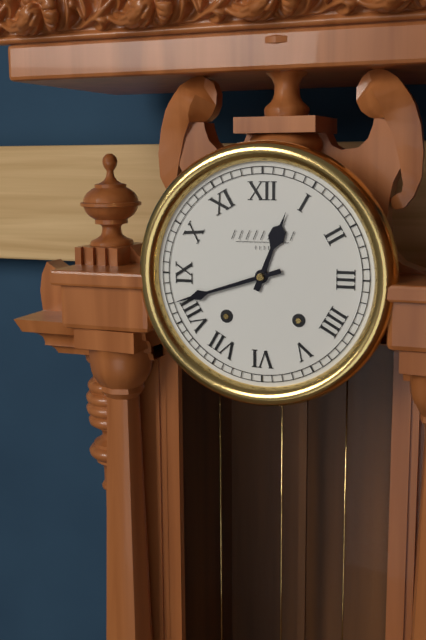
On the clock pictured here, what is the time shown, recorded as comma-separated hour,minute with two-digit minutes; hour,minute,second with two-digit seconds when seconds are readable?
12,42
